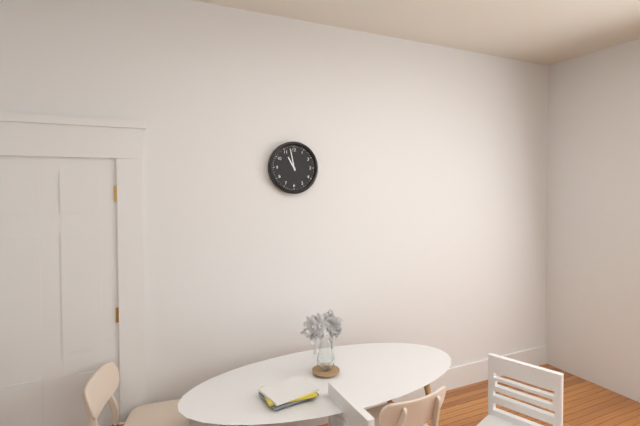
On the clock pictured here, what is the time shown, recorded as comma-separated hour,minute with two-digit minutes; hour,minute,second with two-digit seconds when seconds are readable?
10,58
